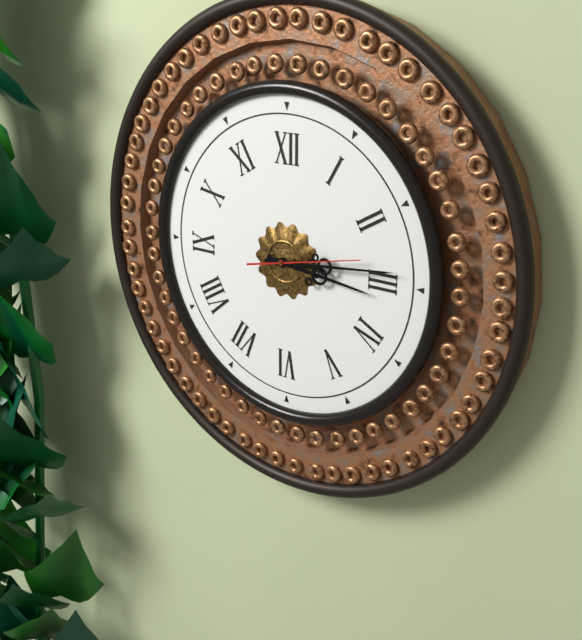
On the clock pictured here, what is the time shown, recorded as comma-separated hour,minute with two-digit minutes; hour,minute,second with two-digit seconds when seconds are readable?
3,14,13
